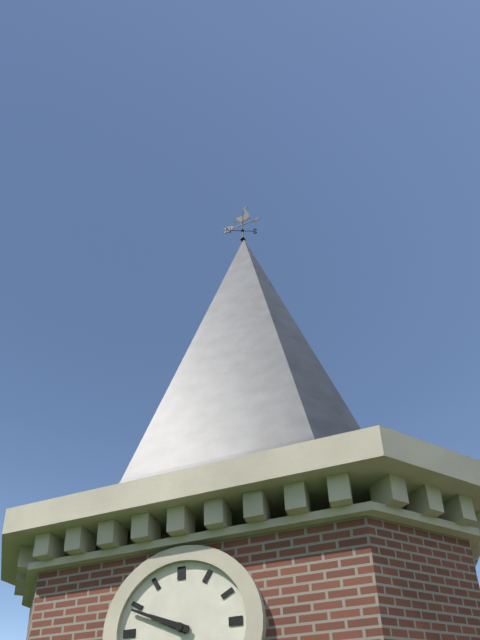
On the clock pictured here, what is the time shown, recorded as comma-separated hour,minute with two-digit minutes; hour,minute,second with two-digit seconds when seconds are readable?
9,49
